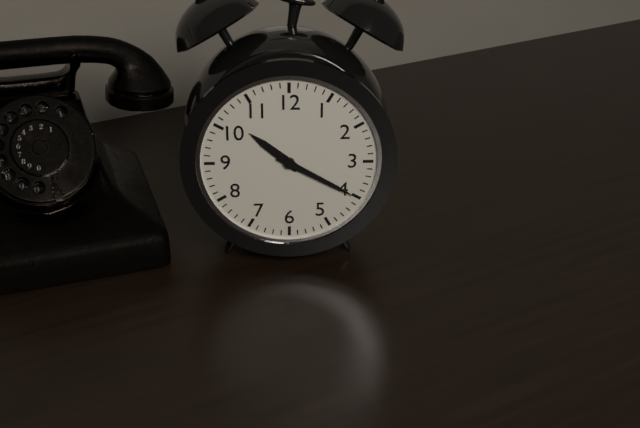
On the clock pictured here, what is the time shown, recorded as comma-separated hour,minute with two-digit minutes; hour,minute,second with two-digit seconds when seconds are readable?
10,20
